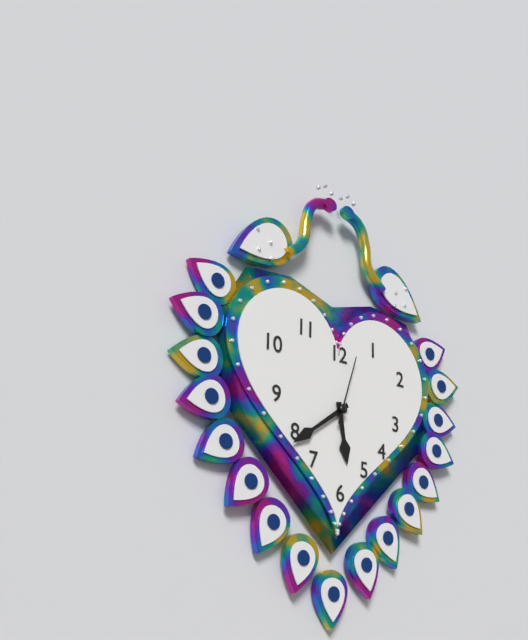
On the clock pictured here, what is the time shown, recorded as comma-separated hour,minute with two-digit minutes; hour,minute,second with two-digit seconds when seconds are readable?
5,39,03
